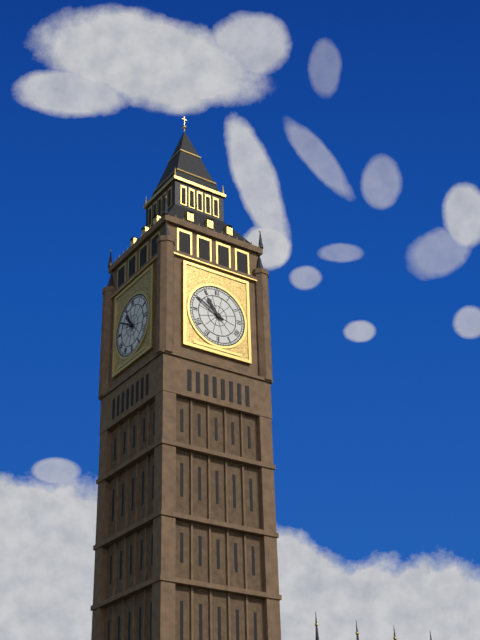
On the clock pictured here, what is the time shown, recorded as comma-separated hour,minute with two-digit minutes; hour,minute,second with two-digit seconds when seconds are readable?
10,50
